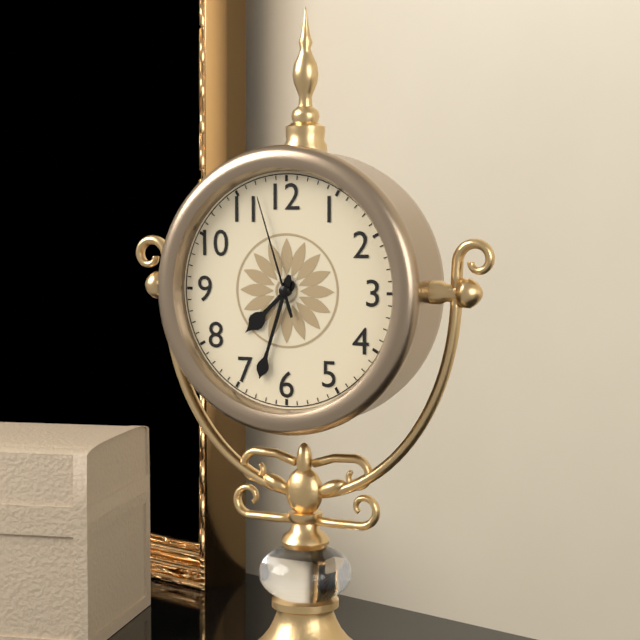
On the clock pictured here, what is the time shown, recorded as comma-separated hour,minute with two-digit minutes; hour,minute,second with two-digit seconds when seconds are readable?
7,33,57
